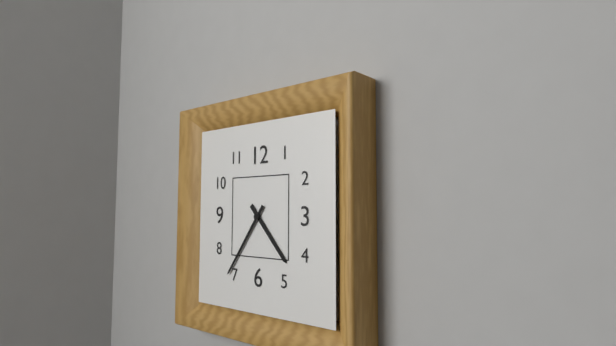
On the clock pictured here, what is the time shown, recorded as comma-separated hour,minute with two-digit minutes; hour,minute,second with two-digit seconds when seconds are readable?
4,36
